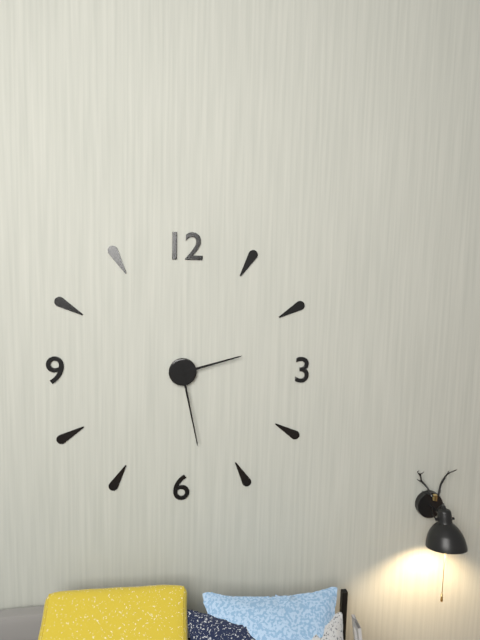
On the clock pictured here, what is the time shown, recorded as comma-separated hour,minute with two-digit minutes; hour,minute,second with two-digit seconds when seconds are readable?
2,28
